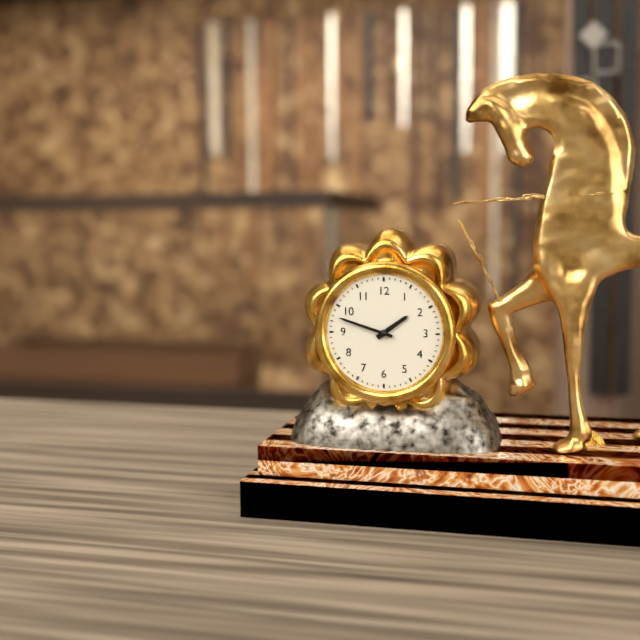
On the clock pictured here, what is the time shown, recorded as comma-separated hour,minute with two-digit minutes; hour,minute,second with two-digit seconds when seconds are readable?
1,48
